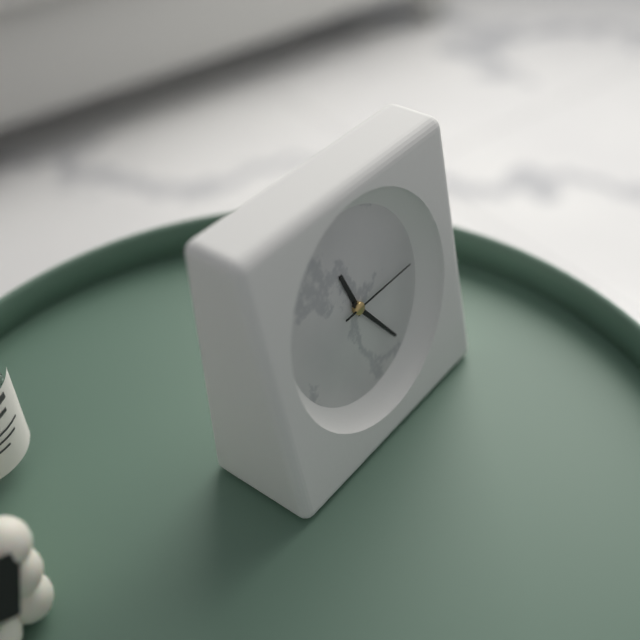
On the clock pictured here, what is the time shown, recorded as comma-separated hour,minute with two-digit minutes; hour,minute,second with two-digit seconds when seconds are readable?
11,24,15
